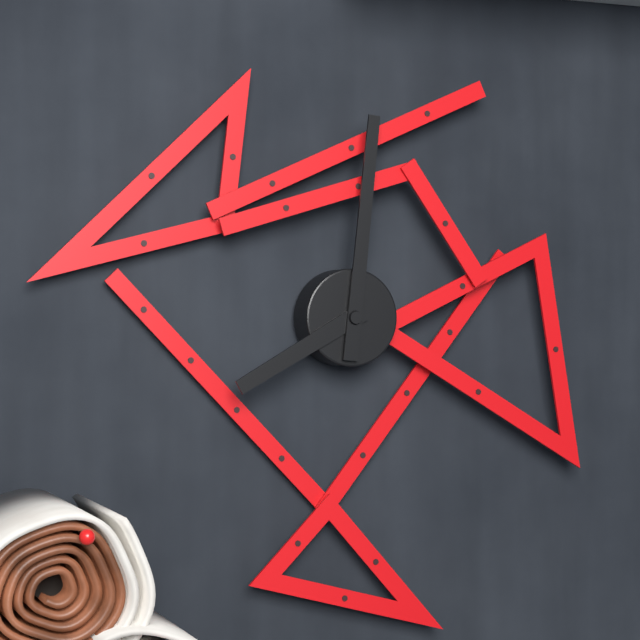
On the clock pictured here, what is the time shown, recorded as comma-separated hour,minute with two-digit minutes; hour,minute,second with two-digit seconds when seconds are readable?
8,01
